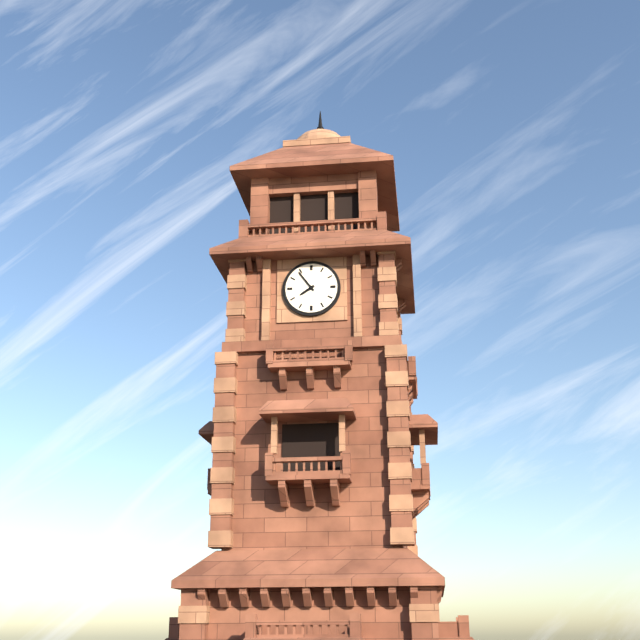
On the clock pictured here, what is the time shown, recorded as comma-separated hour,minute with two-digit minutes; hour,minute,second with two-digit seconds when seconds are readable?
7,54
